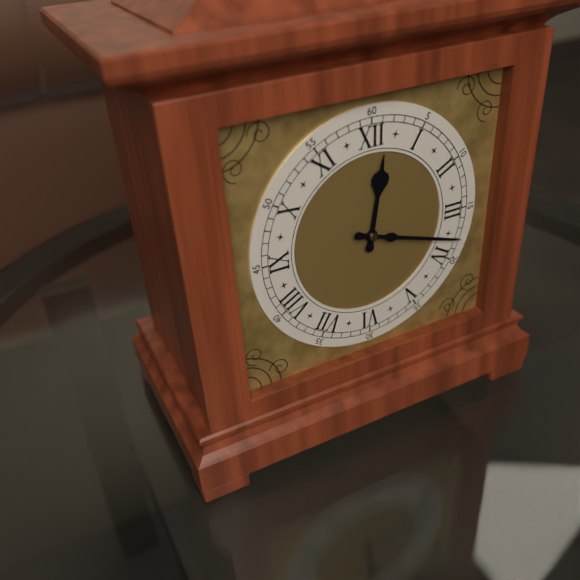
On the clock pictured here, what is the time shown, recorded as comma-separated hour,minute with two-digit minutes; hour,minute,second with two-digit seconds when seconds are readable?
12,18
